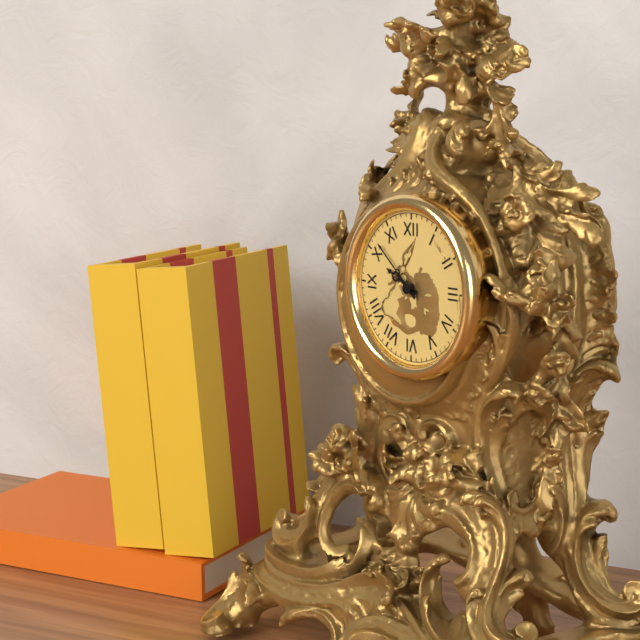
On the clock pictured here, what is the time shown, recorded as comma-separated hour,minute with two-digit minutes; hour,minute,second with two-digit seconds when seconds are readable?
9,52
